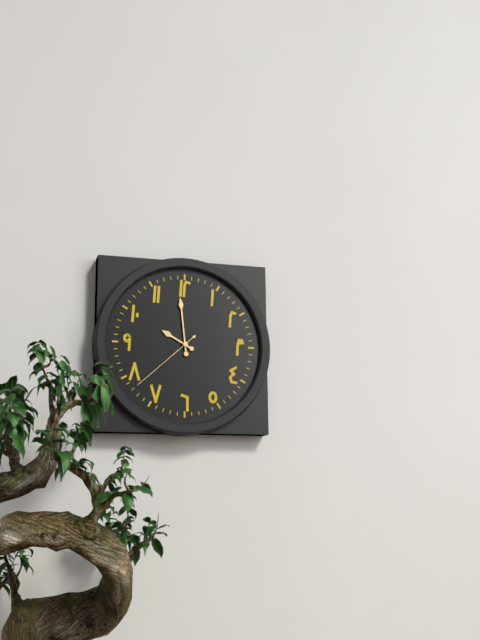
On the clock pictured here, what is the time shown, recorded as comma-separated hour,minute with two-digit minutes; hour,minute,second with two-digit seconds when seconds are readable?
9,59,38
